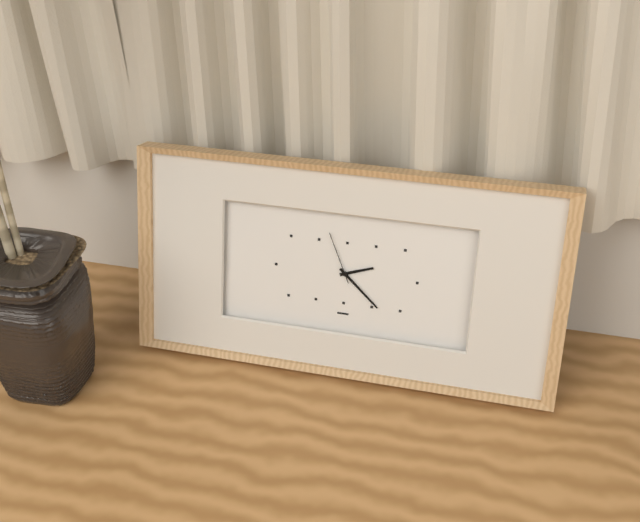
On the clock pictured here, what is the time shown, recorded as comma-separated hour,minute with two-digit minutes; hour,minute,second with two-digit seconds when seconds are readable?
2,22,56
